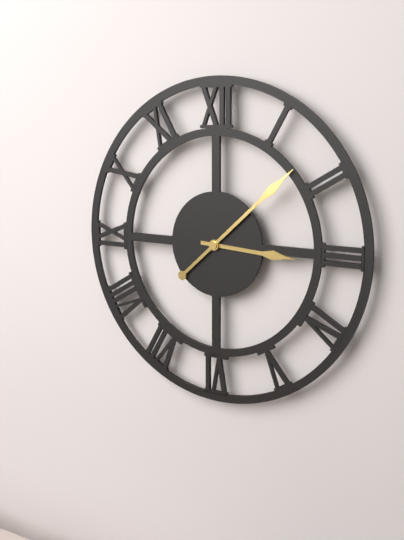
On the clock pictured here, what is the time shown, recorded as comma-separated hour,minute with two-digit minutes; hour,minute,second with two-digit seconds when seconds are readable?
3,08
